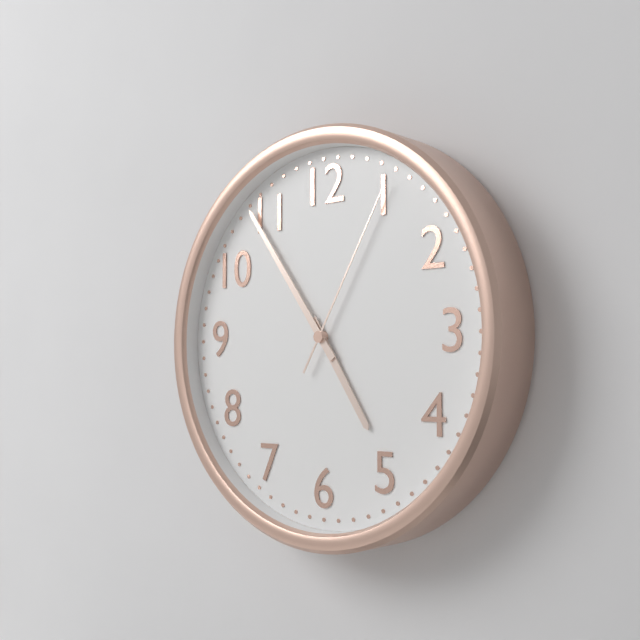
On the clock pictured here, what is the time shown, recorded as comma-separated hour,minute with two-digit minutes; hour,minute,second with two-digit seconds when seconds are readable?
4,54,05
